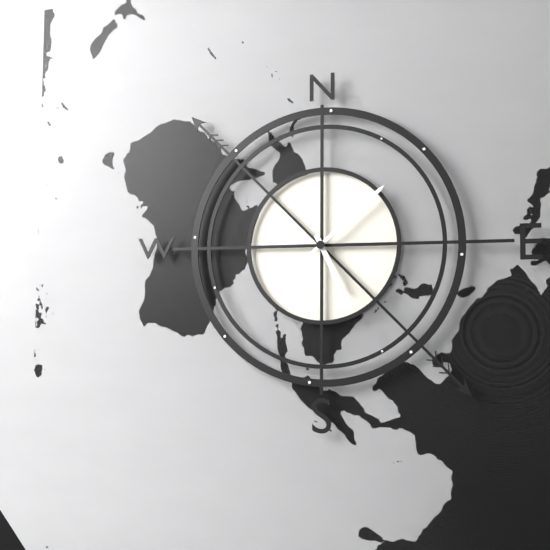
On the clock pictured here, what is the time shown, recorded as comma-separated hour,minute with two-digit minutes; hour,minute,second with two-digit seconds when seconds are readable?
5,08
